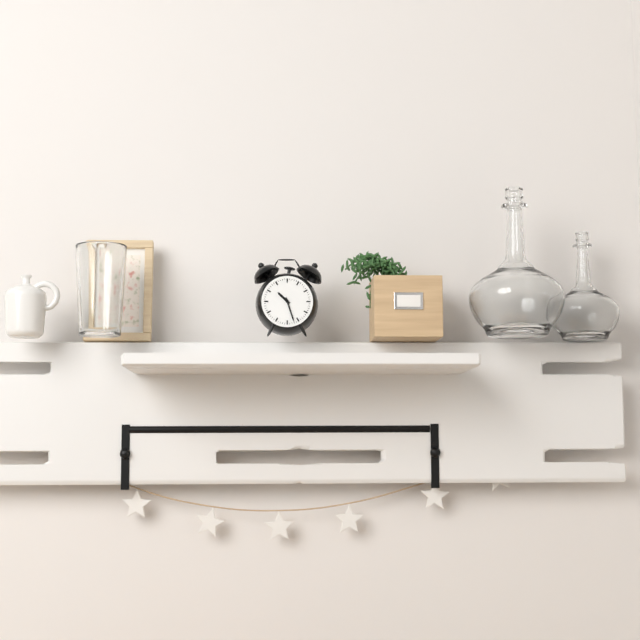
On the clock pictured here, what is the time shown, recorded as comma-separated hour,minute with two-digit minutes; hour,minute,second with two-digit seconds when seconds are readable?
10,27
